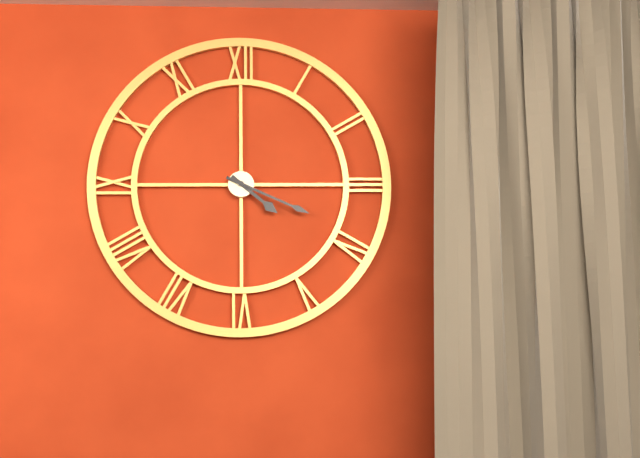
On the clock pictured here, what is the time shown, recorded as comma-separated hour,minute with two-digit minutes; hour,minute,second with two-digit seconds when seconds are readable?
4,19
